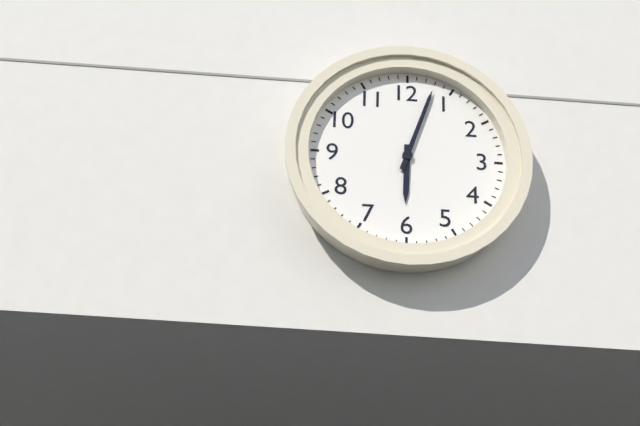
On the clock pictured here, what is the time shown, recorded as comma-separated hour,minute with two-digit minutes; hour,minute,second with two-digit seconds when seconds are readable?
6,03
